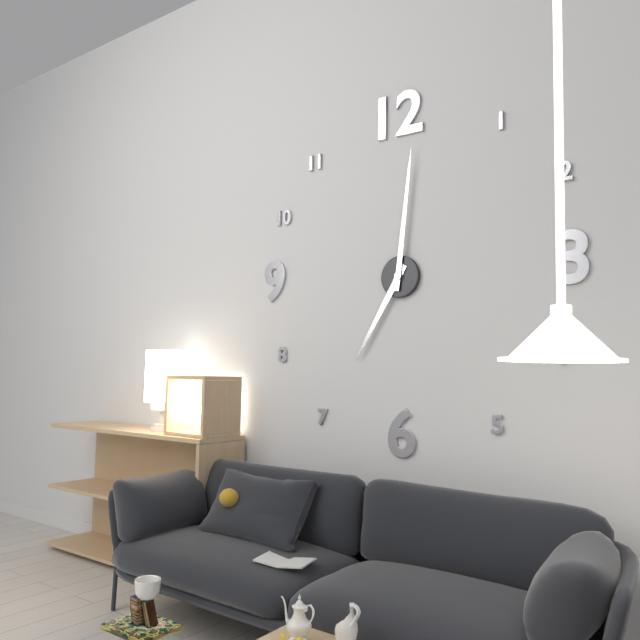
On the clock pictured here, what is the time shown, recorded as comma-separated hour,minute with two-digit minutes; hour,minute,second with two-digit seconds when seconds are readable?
7,01
